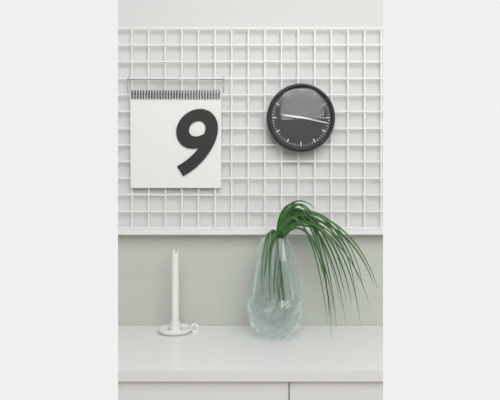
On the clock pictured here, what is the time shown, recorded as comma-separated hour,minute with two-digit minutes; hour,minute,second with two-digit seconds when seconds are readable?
9,17
